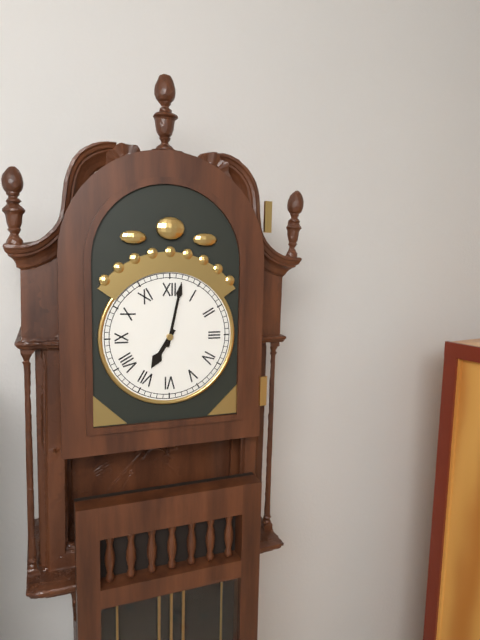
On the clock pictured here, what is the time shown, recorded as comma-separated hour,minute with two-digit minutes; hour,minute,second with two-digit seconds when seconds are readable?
7,02
